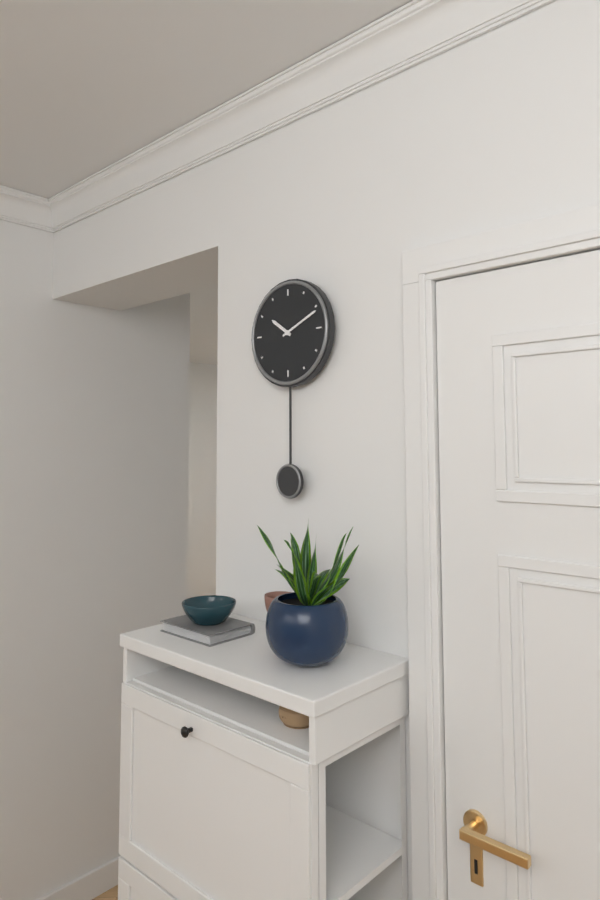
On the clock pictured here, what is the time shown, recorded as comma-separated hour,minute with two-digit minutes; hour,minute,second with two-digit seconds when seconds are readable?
10,11
